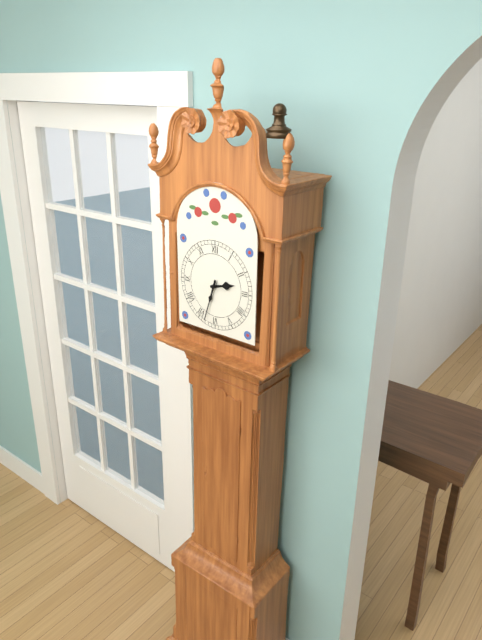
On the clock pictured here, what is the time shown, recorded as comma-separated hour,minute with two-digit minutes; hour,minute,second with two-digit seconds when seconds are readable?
2,33
